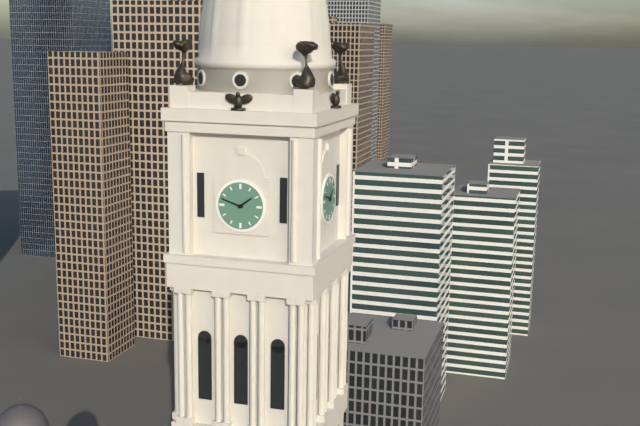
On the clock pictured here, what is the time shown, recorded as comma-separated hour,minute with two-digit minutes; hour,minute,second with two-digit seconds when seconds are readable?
1,48
